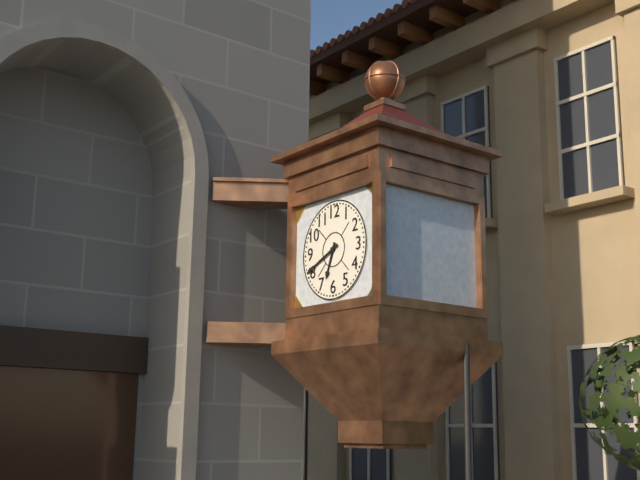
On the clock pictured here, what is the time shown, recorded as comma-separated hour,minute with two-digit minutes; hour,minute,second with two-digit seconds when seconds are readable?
6,41
